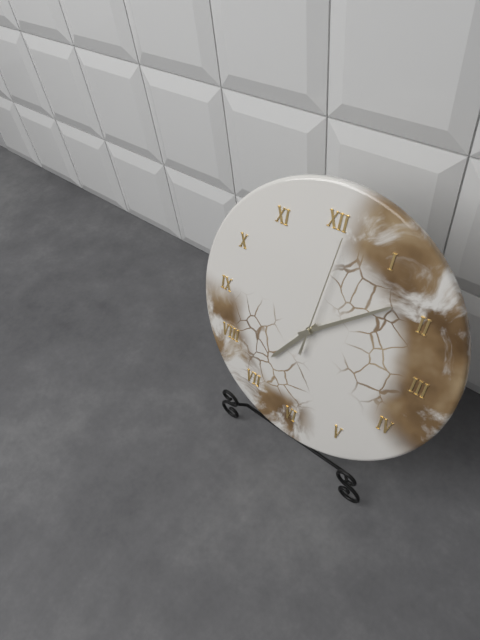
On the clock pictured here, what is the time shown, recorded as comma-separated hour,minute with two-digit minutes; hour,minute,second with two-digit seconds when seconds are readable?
7,08,01
